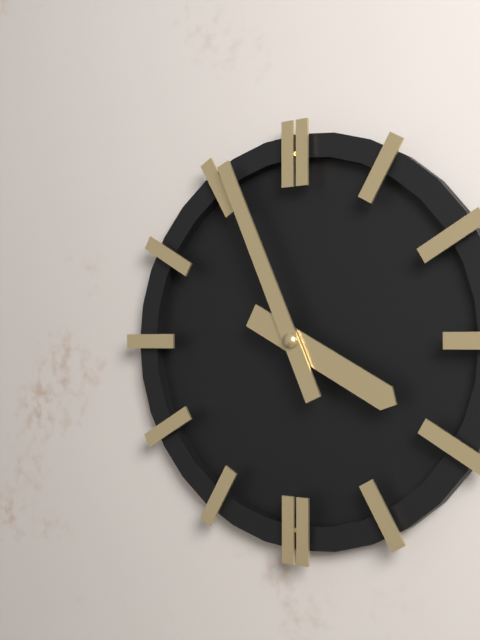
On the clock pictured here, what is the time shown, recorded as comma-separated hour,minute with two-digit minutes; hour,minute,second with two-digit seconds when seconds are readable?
3,56
